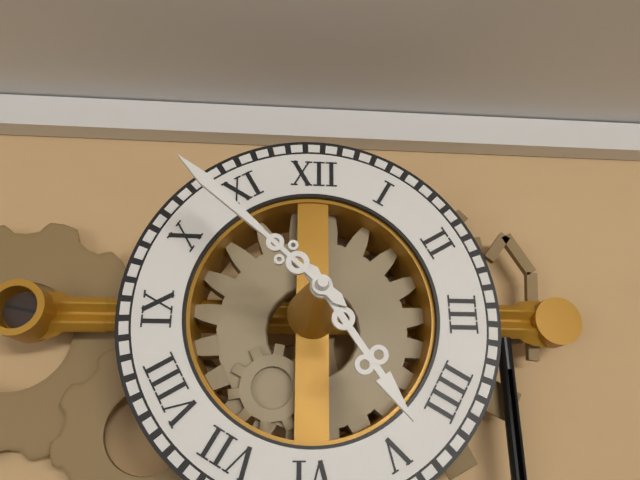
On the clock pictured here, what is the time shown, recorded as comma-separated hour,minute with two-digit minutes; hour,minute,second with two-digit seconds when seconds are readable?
4,52
